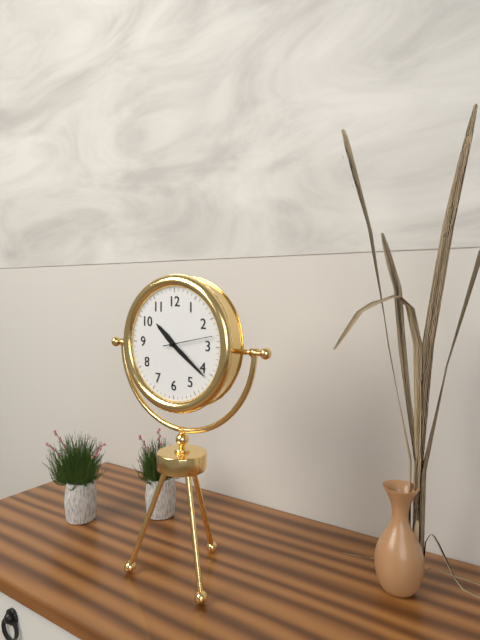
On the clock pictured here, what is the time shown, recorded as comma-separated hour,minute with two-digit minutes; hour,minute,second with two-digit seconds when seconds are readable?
10,21,13
